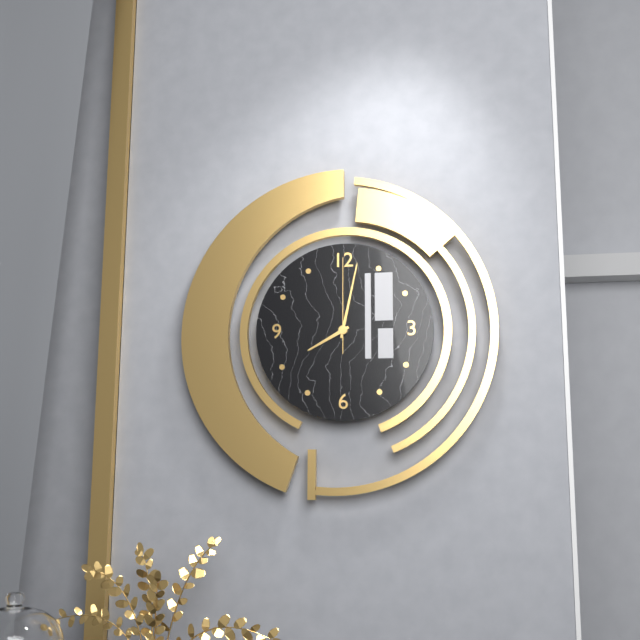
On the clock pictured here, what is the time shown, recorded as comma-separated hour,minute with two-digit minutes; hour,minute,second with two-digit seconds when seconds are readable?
8,02,00
